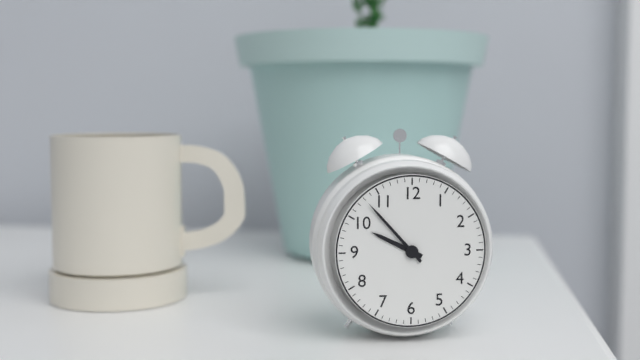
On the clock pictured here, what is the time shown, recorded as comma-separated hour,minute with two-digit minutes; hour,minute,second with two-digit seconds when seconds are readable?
9,53
